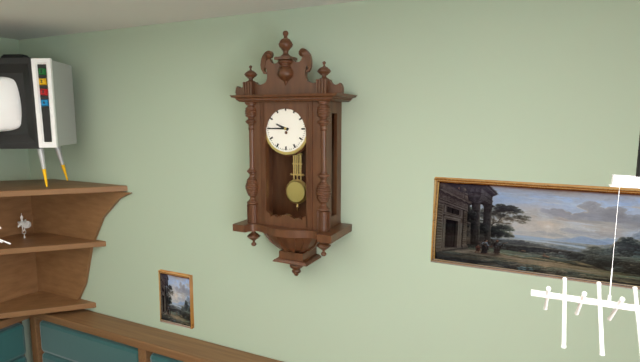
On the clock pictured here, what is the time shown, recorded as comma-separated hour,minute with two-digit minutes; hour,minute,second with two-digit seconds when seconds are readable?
9,45
